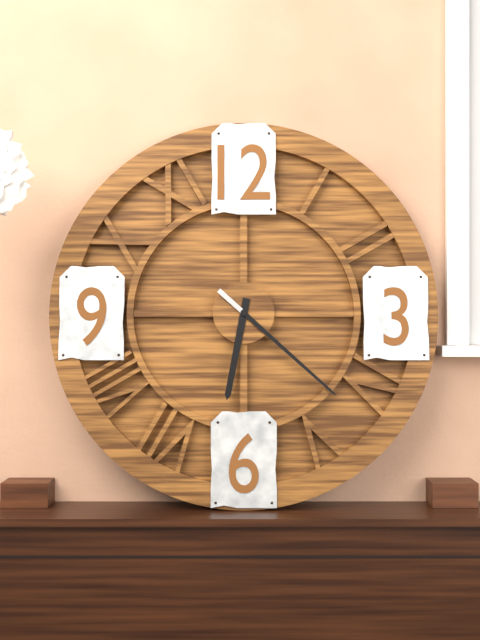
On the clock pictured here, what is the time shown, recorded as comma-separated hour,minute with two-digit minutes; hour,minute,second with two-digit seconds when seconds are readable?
6,22
